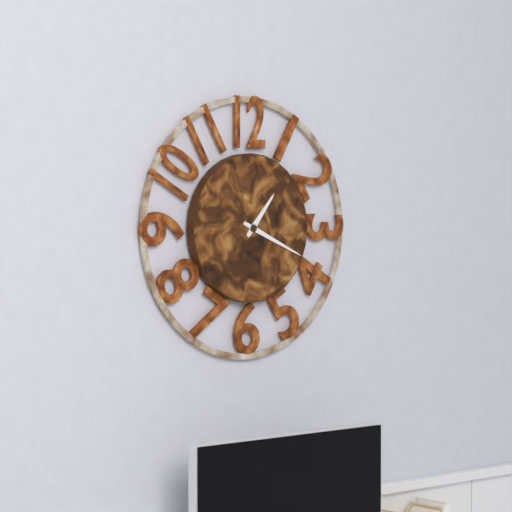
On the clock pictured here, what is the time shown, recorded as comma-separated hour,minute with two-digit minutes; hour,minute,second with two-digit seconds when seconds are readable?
1,19
